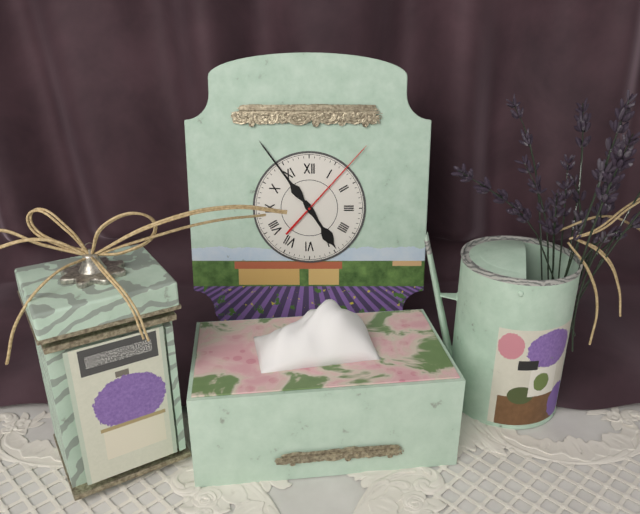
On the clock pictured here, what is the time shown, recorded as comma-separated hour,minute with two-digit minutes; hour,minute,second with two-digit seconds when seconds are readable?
4,54,07
